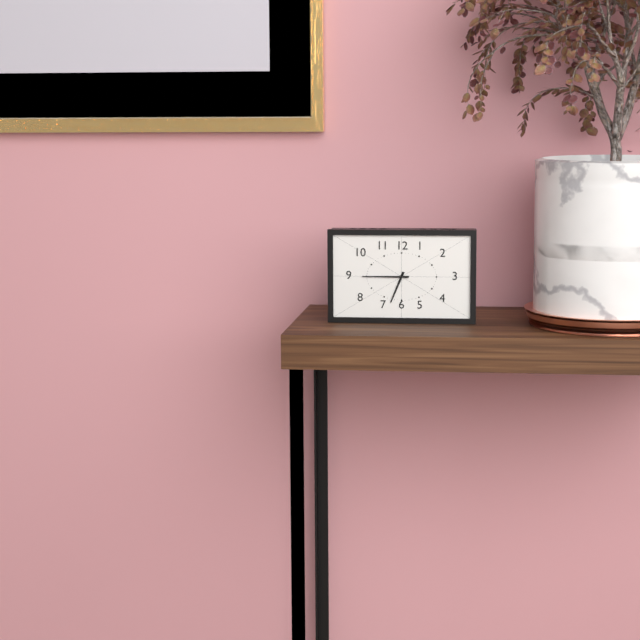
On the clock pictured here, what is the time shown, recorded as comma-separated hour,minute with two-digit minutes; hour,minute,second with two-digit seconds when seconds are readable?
6,45
